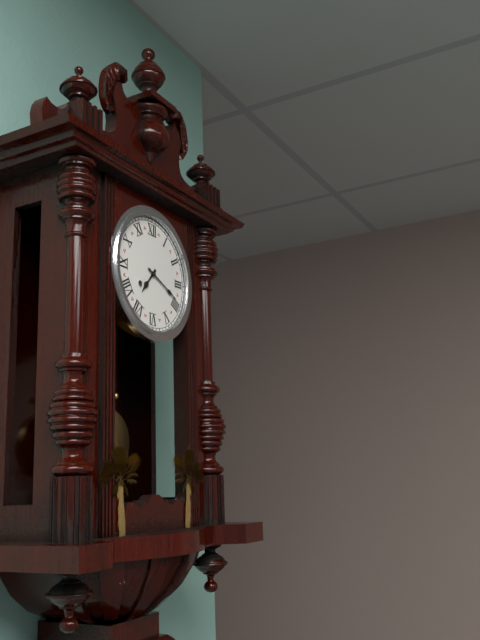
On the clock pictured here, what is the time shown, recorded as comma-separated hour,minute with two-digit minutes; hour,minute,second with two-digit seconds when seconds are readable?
7,19
